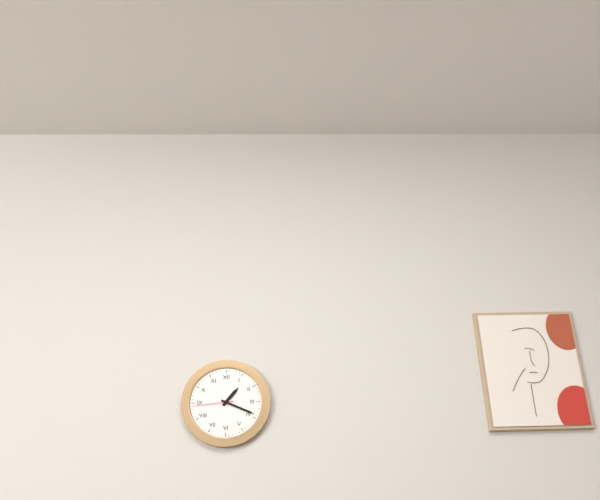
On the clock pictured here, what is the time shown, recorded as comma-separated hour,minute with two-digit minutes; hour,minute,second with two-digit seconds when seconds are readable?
1,19
